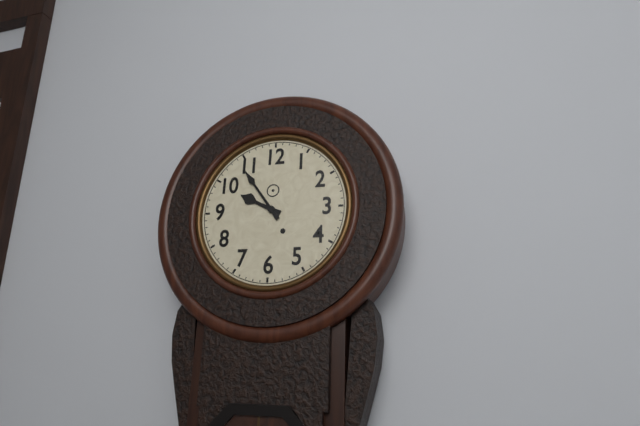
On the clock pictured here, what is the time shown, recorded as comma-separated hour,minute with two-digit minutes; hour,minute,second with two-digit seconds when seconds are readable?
9,54
